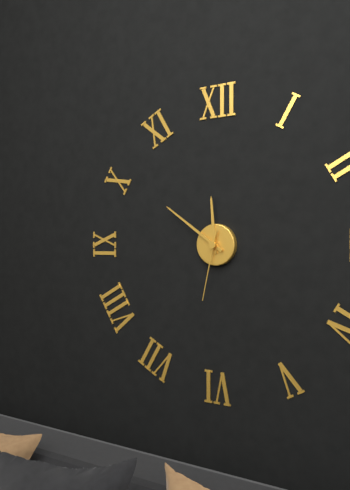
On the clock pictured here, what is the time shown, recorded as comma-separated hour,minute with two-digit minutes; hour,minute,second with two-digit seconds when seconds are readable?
11,51,32
